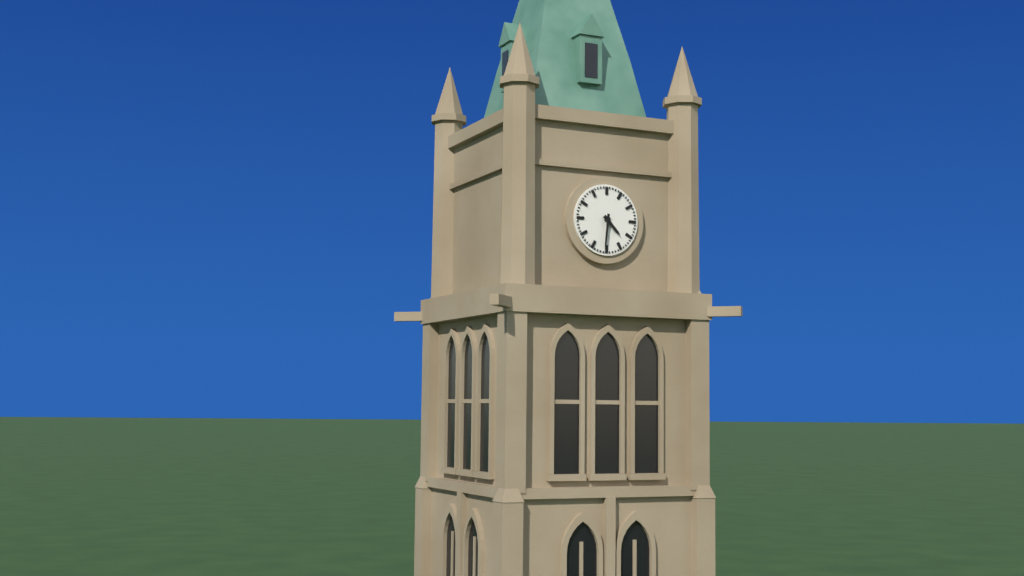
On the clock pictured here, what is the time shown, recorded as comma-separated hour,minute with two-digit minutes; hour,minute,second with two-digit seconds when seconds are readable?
4,31
